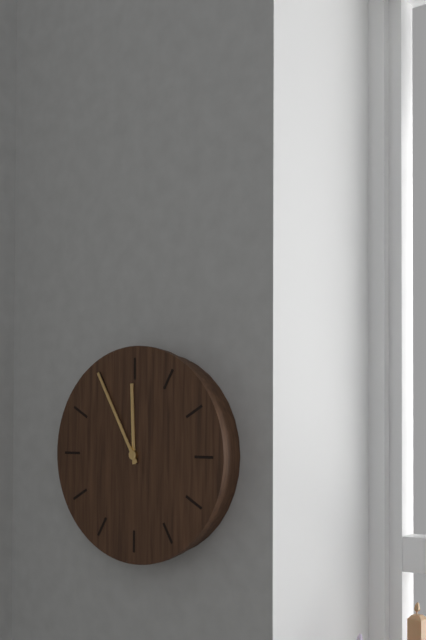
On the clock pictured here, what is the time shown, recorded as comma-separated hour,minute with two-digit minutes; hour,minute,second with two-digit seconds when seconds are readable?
11,55
